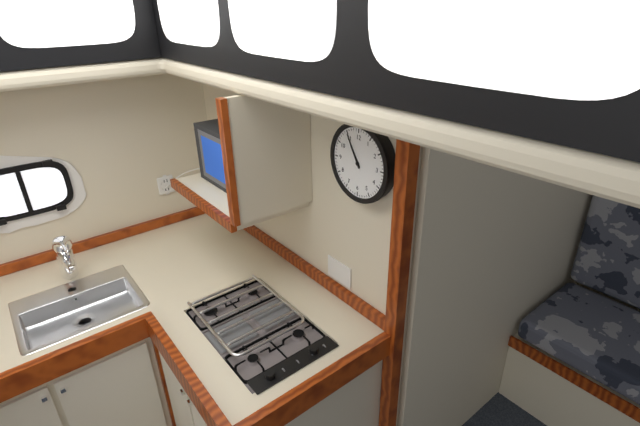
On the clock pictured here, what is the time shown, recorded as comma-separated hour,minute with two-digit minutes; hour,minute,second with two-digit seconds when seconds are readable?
10,55
